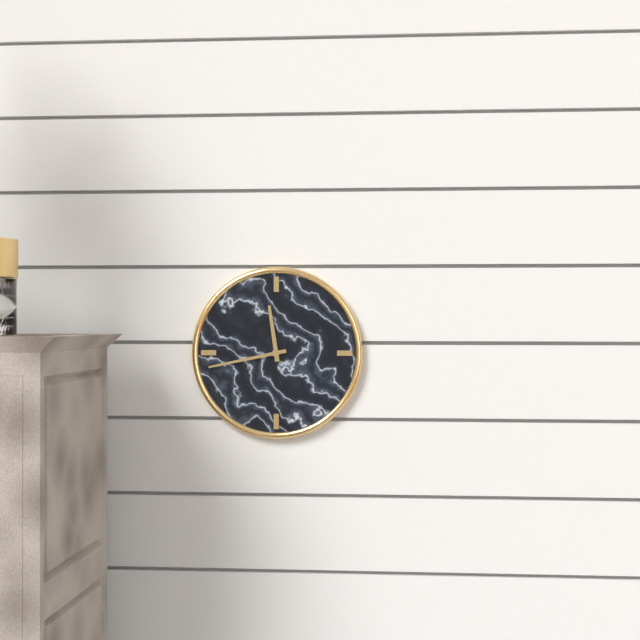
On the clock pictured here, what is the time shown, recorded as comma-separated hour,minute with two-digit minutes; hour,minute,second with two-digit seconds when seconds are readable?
11,43
